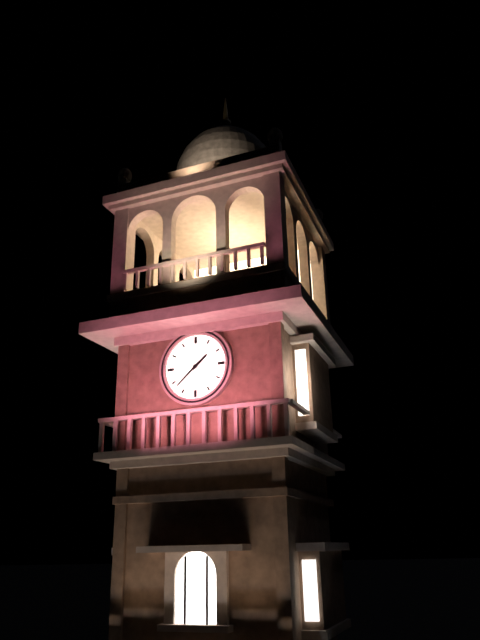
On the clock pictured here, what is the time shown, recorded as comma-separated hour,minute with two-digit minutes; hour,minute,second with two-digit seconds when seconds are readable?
1,38
